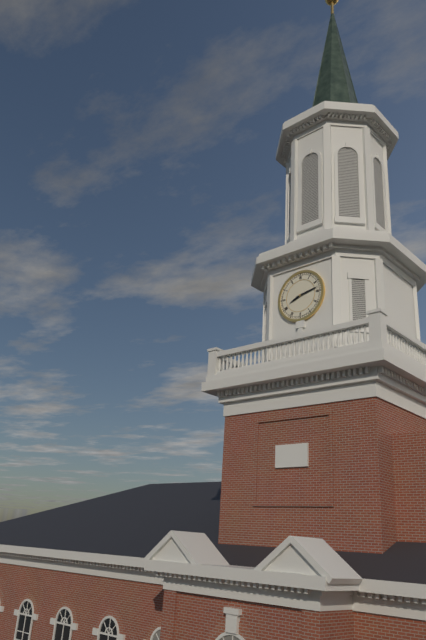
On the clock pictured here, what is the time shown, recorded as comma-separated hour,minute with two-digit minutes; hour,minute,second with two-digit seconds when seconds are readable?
8,13
